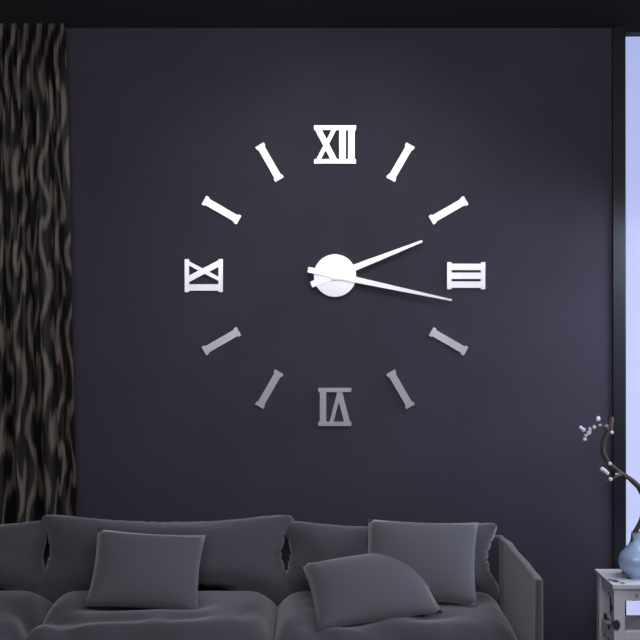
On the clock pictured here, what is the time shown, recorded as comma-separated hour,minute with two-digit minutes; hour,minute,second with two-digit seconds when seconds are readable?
2,17
